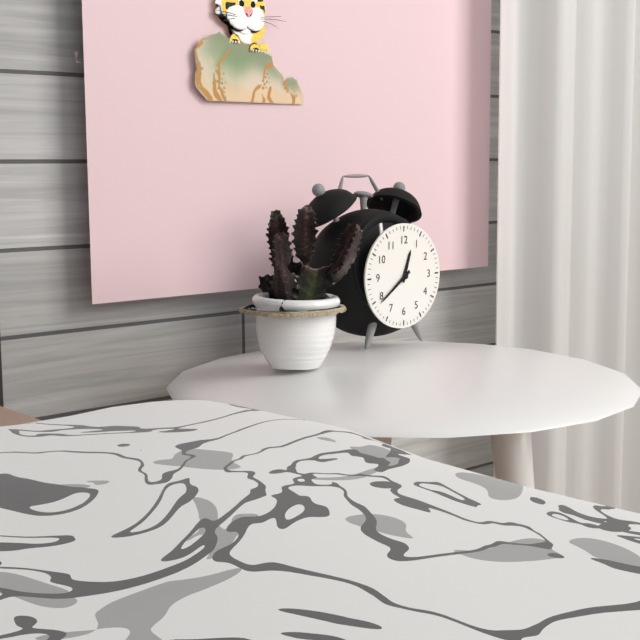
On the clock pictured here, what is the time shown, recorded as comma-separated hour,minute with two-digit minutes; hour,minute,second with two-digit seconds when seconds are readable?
12,39
